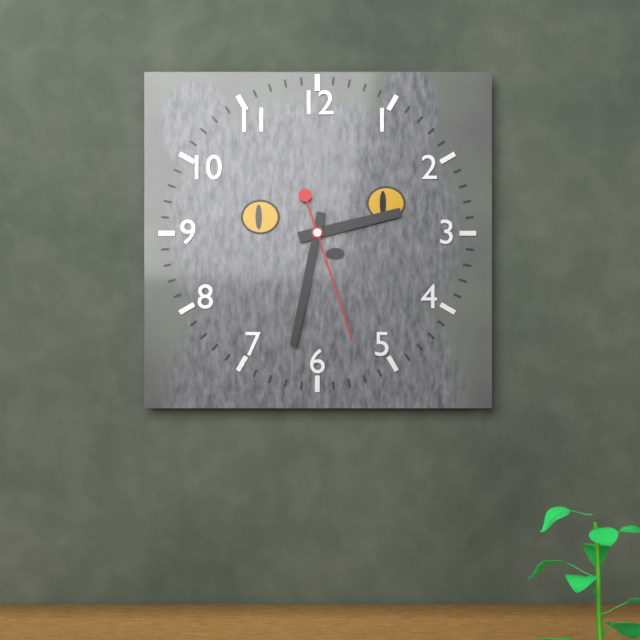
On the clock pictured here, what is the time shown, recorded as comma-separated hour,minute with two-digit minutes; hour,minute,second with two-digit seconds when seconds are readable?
2,32,27
